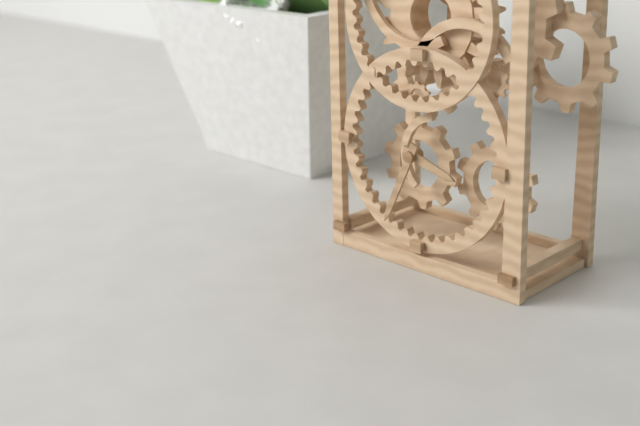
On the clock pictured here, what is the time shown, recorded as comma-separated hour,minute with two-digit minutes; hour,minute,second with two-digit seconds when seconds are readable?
3,34
